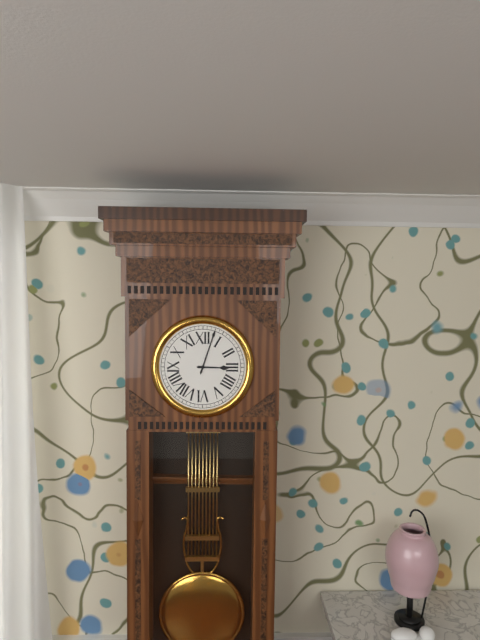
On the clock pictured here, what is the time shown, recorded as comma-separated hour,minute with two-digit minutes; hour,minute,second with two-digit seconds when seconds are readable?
3,03
